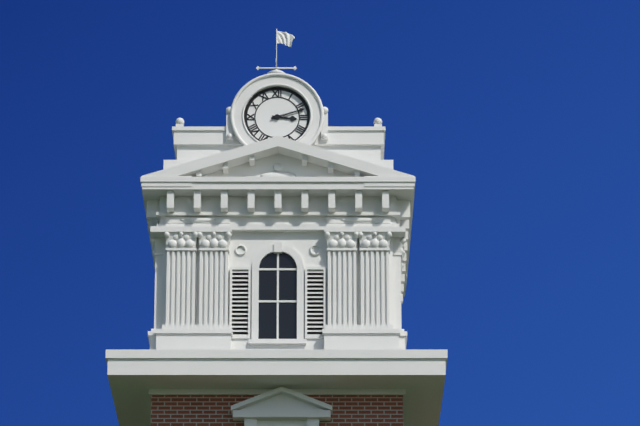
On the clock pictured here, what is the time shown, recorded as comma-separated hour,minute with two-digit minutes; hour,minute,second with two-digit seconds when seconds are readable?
3,12
